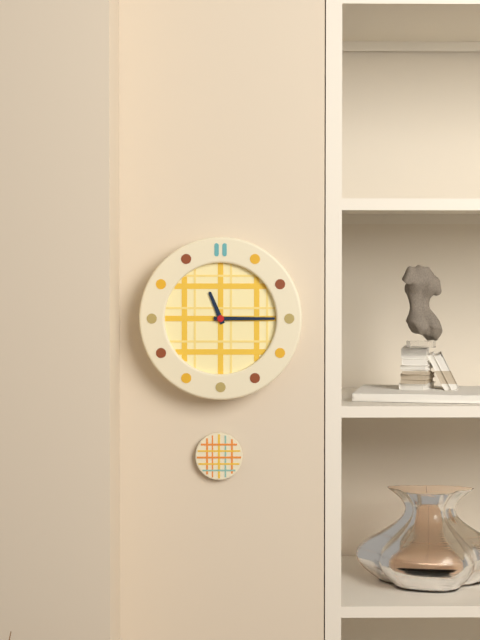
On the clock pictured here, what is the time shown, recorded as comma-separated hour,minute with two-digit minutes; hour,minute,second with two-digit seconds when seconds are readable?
11,15
